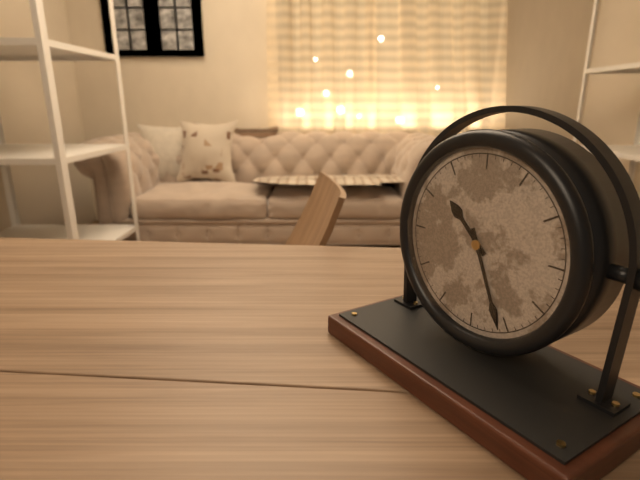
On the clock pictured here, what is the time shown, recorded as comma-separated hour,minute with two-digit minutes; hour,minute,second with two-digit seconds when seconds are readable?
10,26
